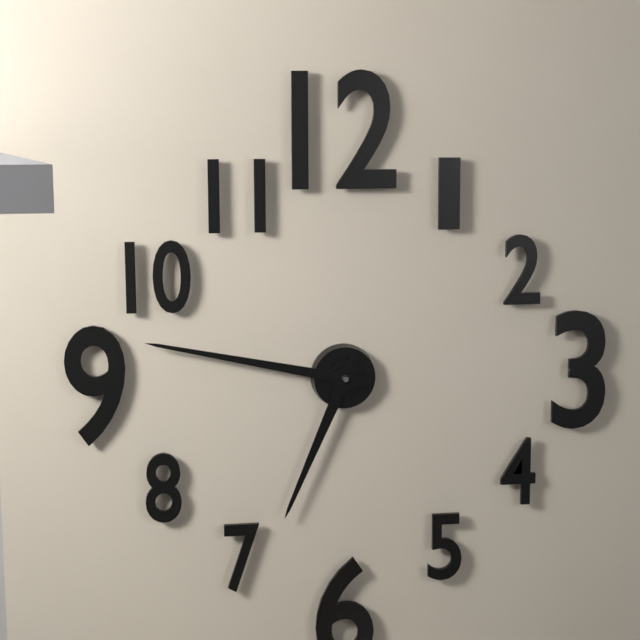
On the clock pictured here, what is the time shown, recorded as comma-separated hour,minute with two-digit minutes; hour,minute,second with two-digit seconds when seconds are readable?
6,47
